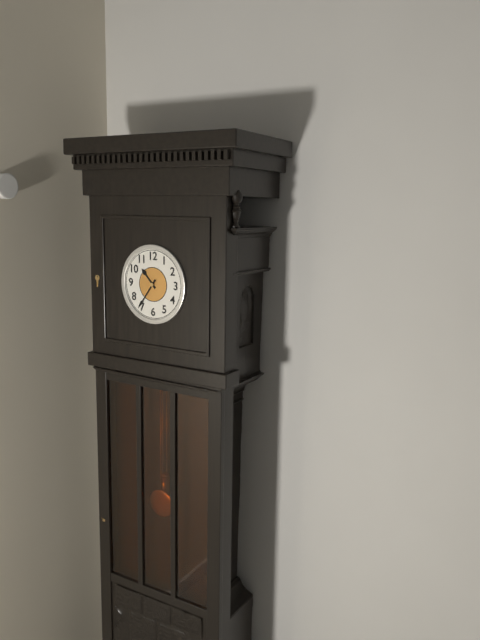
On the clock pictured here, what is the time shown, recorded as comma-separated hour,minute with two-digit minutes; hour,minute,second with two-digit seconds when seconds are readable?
10,36
